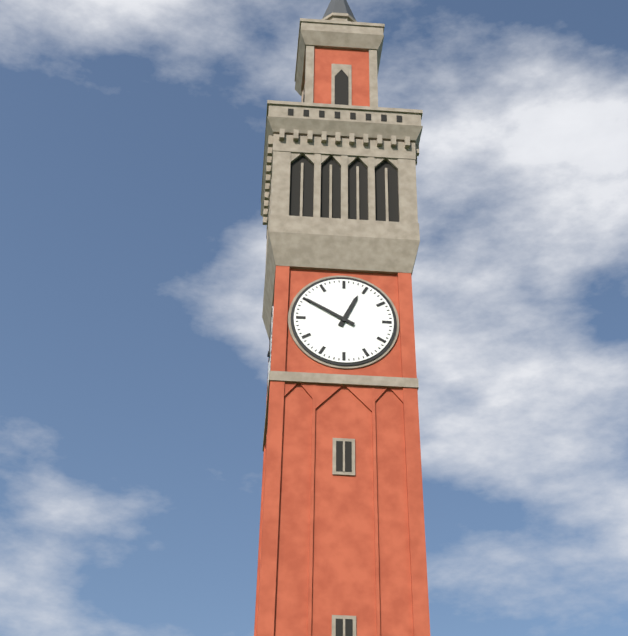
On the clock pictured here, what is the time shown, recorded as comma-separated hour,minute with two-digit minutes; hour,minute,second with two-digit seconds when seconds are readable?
12,50
